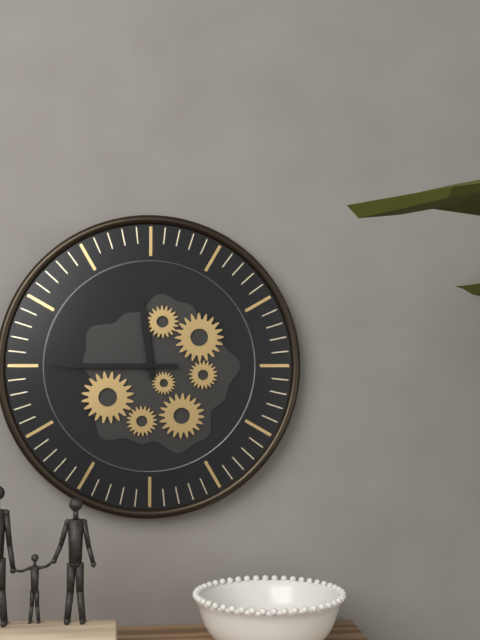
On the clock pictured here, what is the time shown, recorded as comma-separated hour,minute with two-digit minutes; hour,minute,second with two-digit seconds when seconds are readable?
11,45
